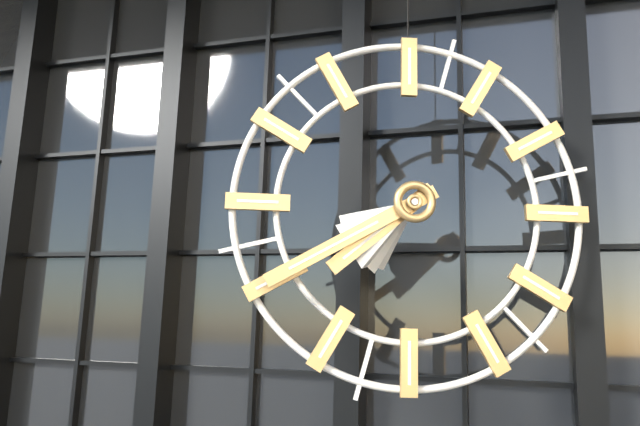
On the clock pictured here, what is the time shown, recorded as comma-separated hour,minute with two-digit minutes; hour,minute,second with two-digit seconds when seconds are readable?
7,40
